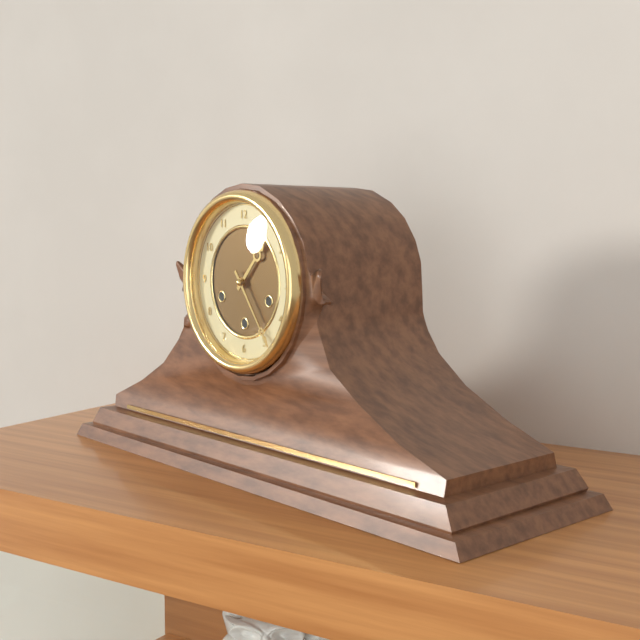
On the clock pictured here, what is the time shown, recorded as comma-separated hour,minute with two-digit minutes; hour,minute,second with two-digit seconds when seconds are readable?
1,24
